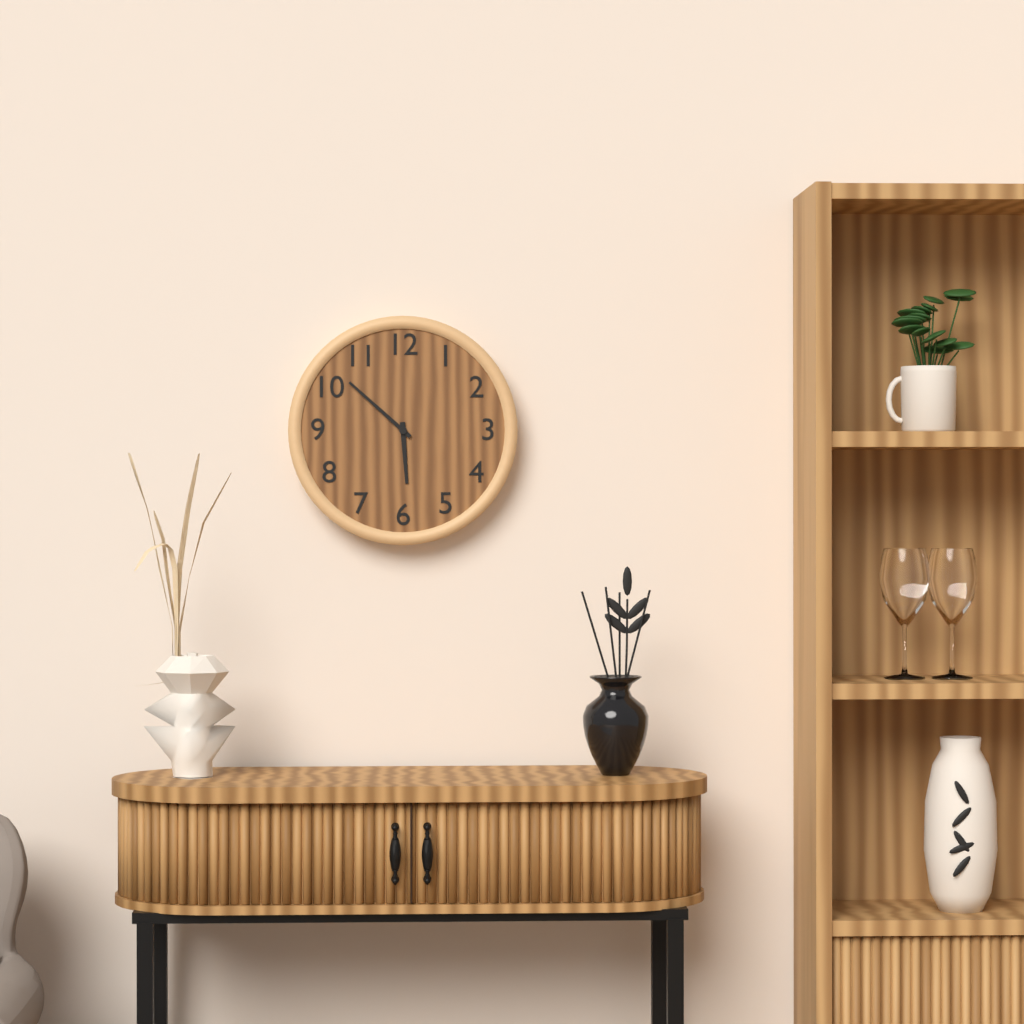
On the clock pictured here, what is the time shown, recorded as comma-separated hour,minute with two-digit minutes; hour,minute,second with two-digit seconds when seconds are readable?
5,52
